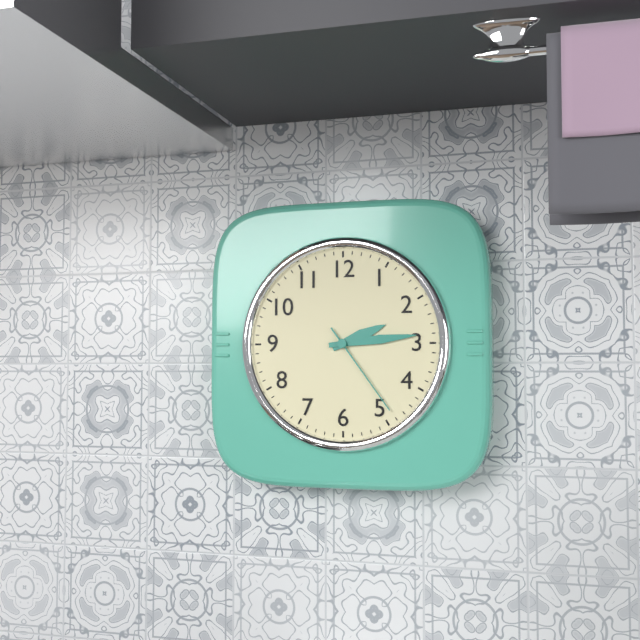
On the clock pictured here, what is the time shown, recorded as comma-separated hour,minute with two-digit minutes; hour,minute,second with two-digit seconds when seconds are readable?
2,14,24
